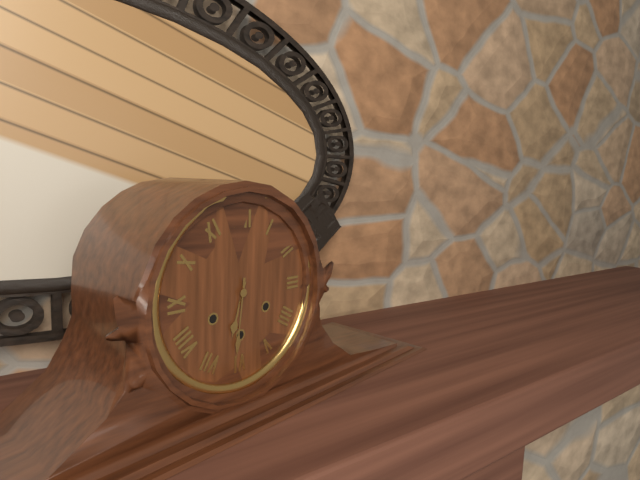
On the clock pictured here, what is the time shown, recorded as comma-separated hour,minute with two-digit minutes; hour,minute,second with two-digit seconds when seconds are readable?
6,31
